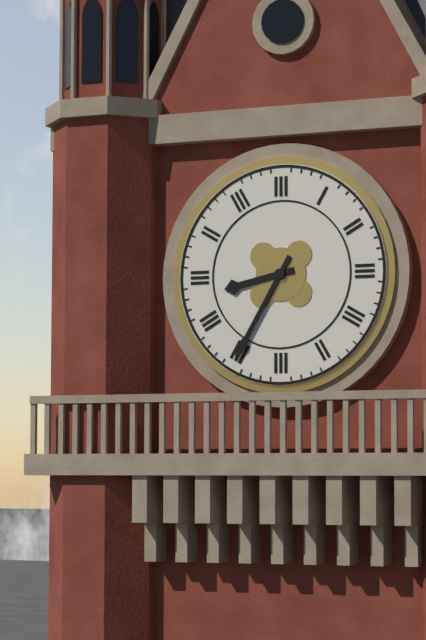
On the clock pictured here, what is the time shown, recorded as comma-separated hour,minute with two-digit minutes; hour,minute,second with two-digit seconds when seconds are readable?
8,35
